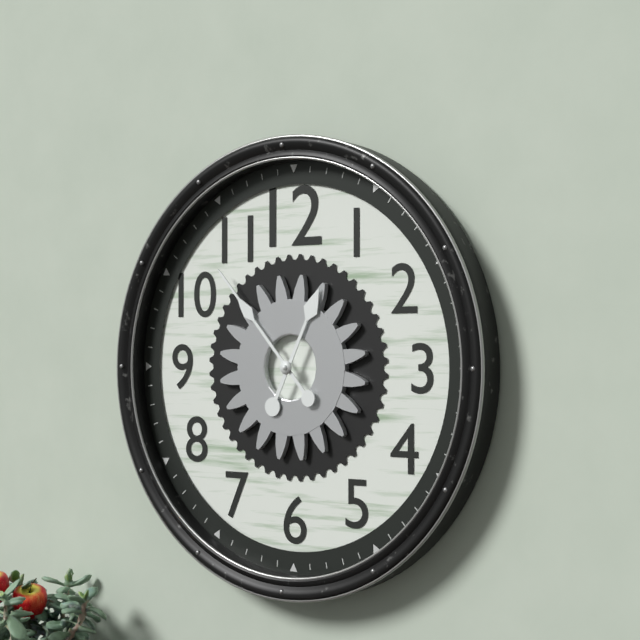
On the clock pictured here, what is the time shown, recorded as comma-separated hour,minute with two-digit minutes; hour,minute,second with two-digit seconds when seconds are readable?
12,53
